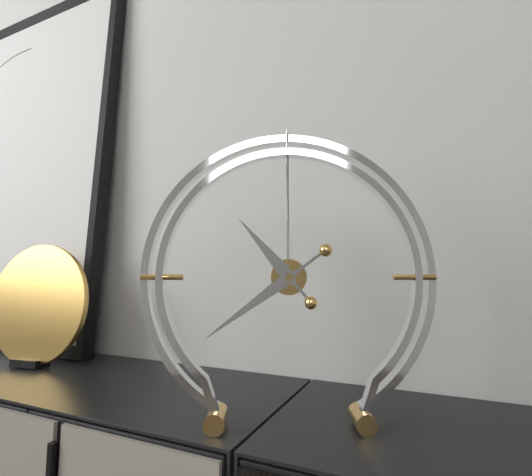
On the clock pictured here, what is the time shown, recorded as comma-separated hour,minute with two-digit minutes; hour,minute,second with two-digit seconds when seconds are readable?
10,39
